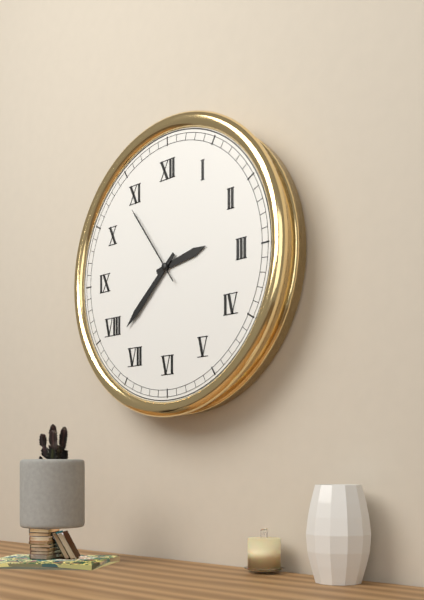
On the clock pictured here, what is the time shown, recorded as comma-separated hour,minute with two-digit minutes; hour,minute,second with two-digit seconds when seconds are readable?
2,38,54
